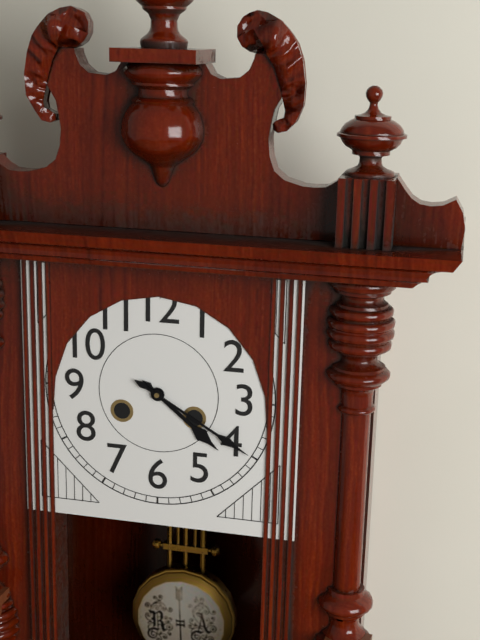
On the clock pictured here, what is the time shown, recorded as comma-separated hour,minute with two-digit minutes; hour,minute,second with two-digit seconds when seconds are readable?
4,20
